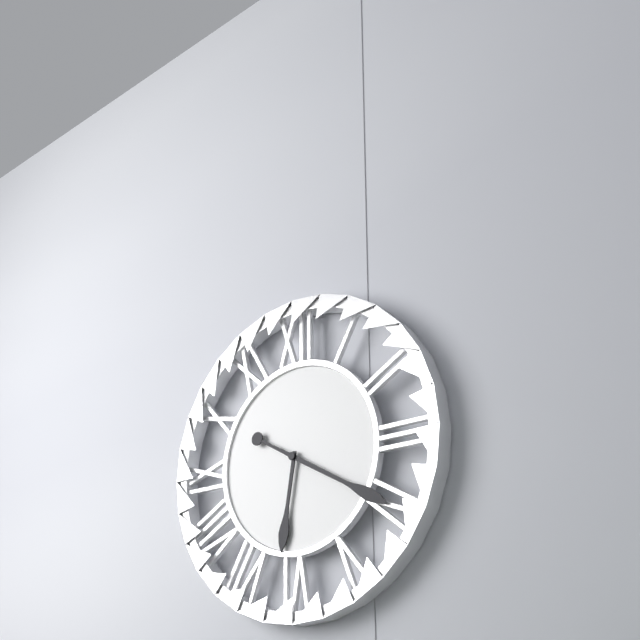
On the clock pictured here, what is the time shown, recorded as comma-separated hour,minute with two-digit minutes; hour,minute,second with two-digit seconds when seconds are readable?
6,20
